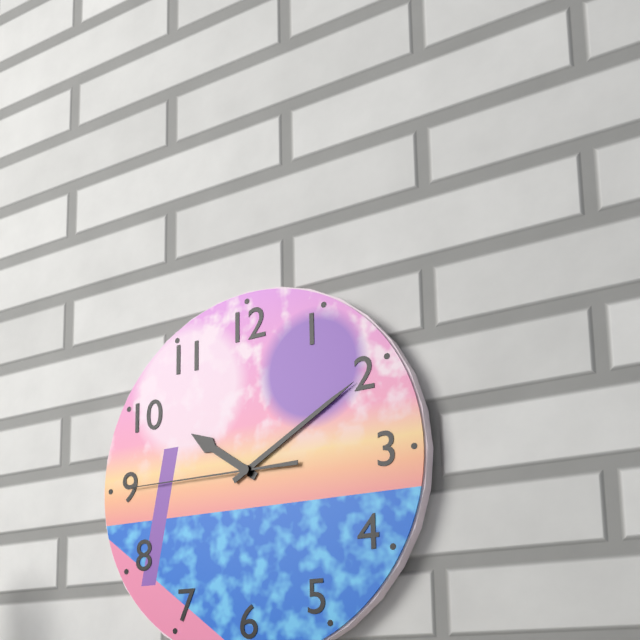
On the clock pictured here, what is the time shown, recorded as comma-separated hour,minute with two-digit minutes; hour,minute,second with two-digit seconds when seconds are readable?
10,10,45
